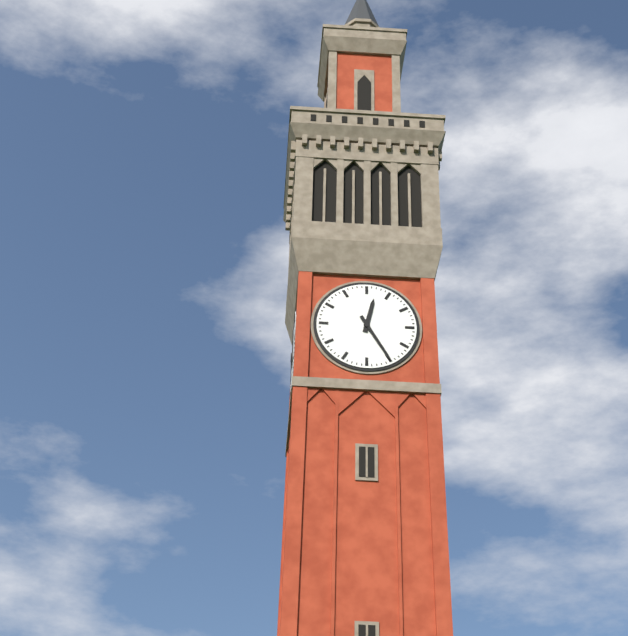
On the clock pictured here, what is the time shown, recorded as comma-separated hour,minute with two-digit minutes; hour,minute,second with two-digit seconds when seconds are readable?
12,25
